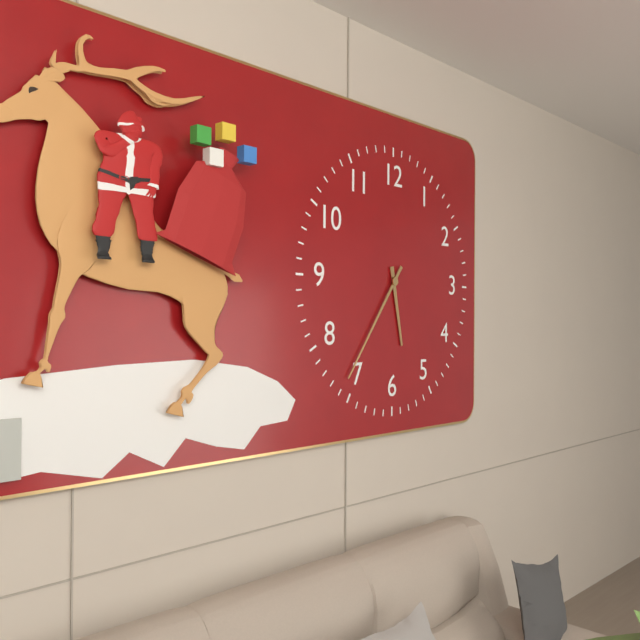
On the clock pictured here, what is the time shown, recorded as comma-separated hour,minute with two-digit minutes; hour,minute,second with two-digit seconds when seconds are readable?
5,36
